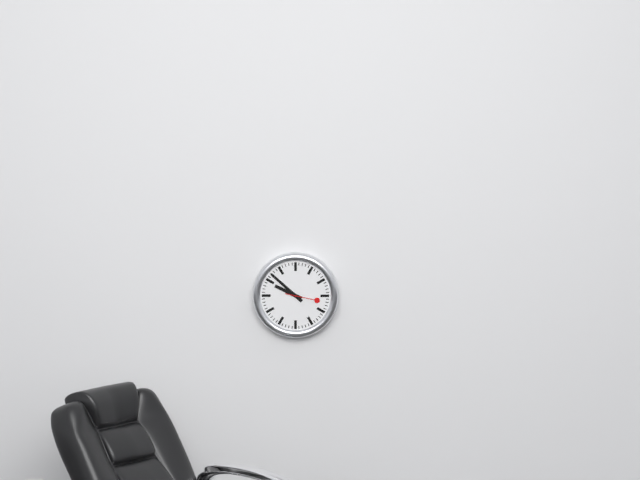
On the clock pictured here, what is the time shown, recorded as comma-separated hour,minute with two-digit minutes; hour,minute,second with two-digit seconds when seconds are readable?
9,52
